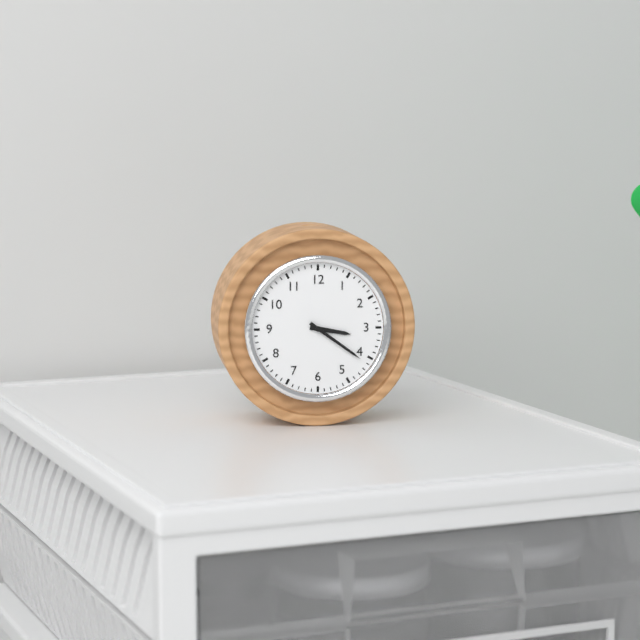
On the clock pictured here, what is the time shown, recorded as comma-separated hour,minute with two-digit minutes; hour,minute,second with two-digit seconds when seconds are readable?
3,21
